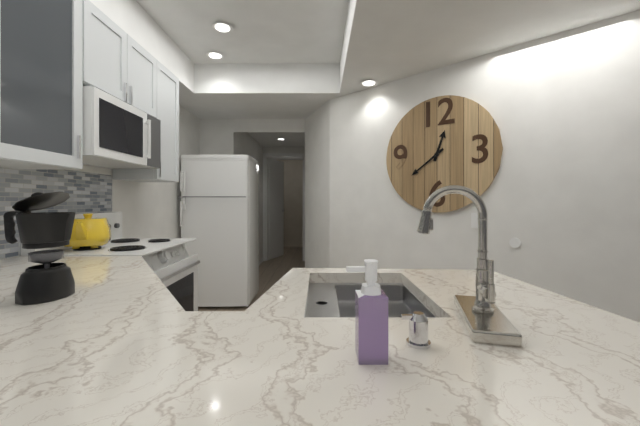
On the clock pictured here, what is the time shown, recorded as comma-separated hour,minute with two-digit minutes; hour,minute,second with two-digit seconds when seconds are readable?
12,39
